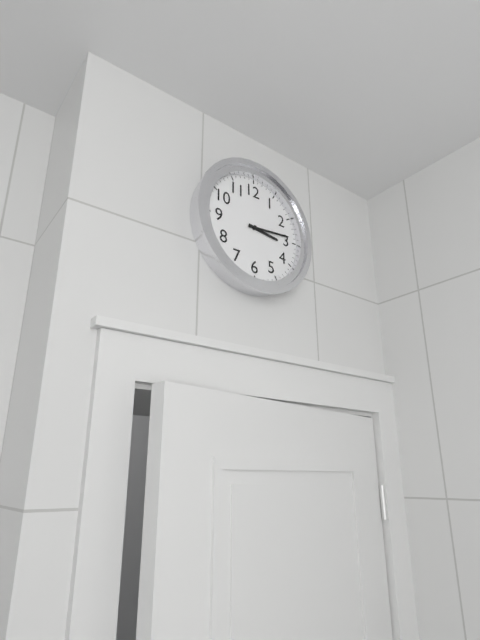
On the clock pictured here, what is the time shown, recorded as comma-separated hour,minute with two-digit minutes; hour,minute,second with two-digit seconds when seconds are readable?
3,14
